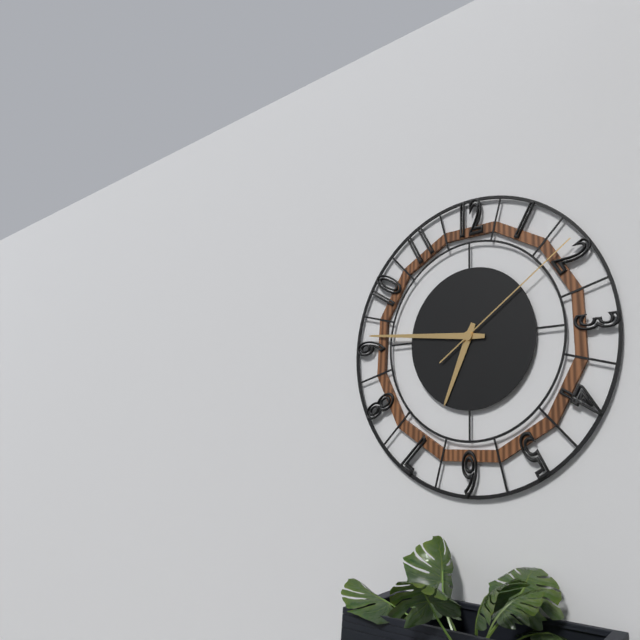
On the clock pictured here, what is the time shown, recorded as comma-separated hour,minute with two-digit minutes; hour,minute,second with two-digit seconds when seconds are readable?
6,46,09
